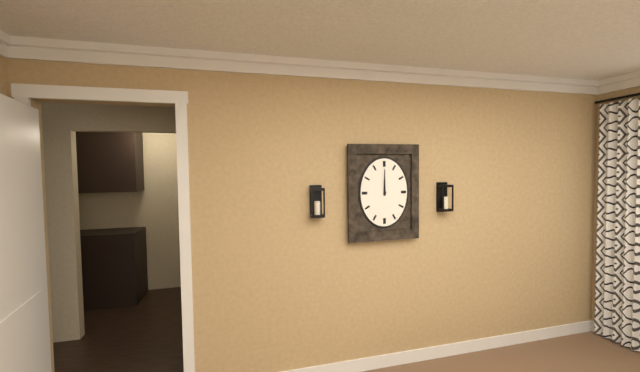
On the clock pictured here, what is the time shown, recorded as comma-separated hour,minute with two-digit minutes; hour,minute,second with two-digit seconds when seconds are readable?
12,00
